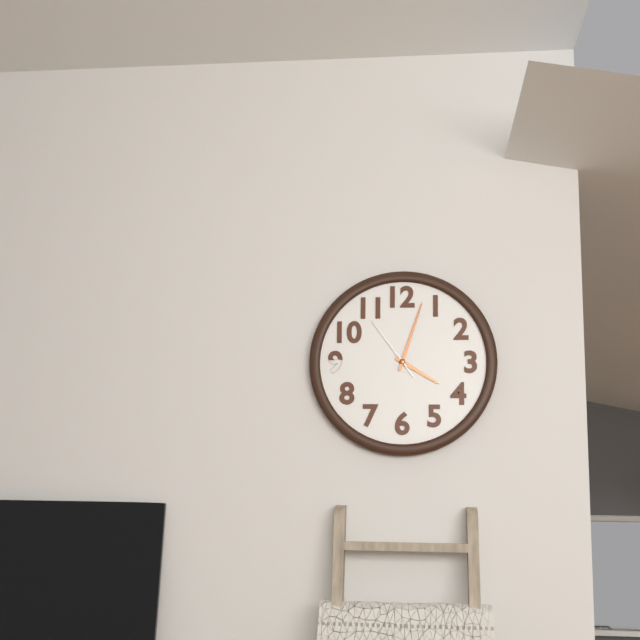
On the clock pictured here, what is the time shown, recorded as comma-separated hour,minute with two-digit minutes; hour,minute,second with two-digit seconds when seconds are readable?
4,03,54
